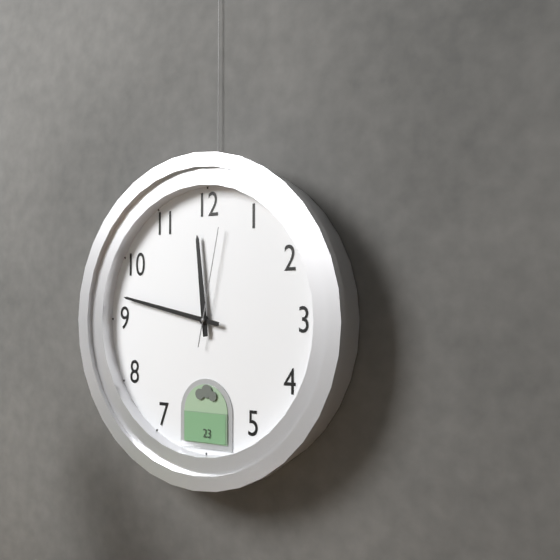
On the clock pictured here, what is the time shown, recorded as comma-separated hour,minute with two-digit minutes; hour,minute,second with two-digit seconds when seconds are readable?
11,47,02
